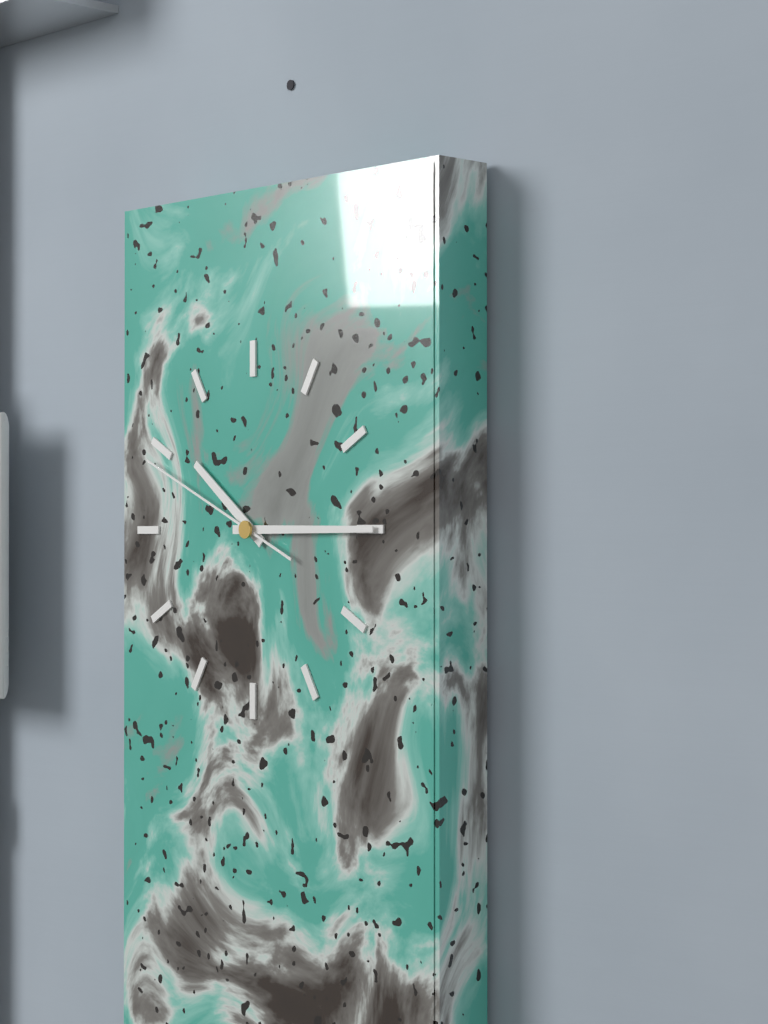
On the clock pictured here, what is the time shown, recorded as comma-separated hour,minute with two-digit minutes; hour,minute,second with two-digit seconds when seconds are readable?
10,15,49
